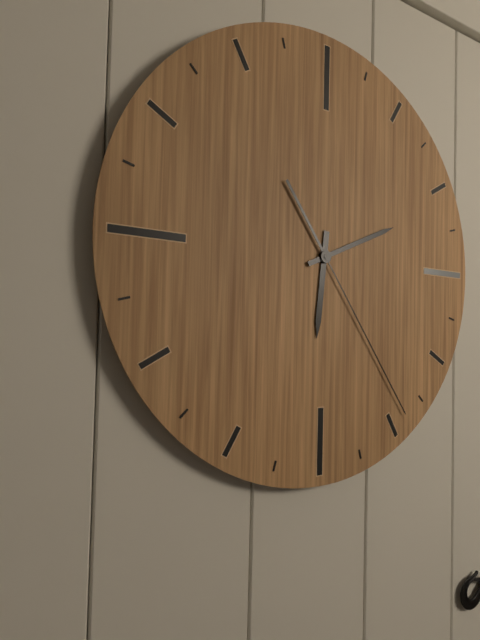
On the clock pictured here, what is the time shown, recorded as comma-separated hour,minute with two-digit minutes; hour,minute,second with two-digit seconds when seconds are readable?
6,11,24
